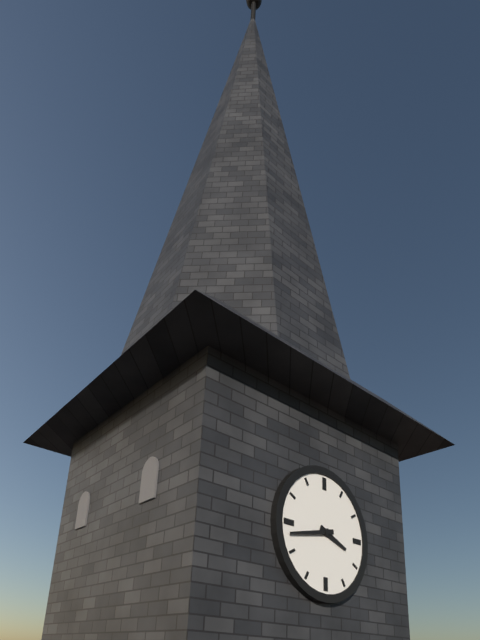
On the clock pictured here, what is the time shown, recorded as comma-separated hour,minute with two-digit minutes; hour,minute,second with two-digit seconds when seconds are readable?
3,43
